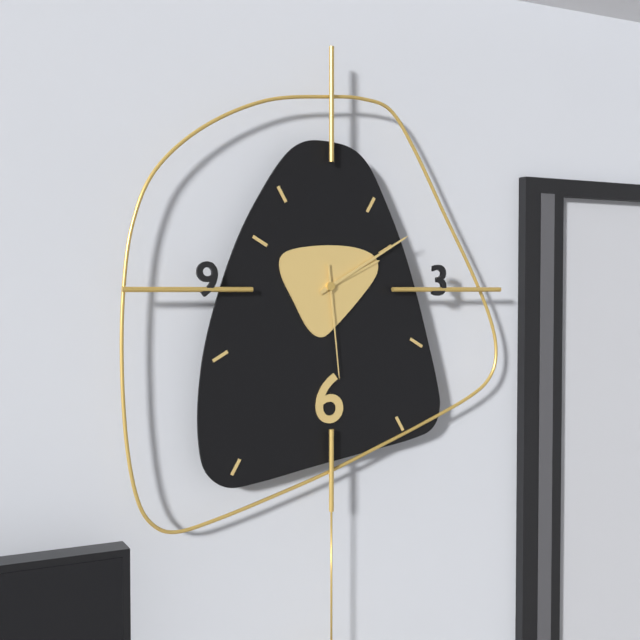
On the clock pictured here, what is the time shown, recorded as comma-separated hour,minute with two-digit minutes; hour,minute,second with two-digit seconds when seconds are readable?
2,10,29
